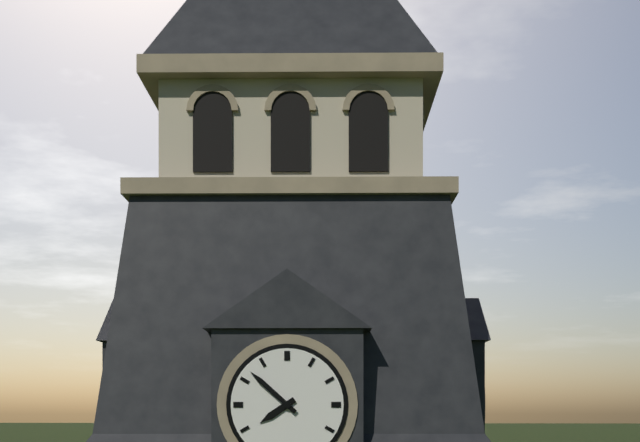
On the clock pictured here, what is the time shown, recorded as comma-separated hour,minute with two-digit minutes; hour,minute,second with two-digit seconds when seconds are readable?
7,52
